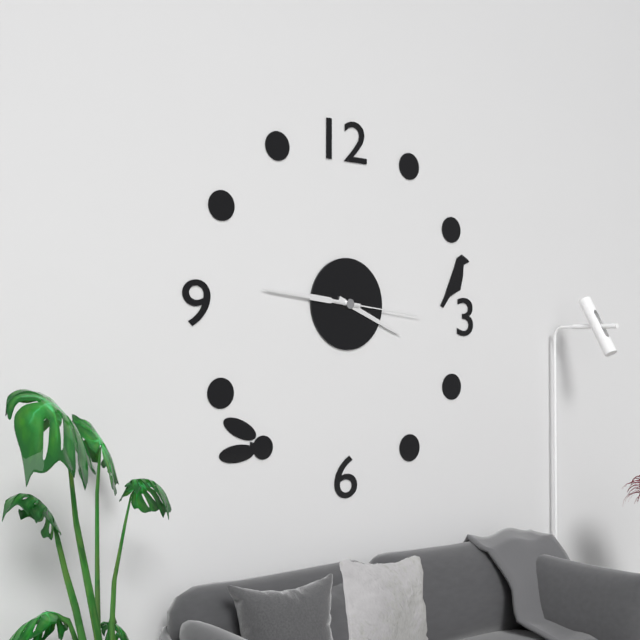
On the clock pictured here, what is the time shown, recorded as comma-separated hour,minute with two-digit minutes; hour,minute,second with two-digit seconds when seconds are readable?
3,46,16
